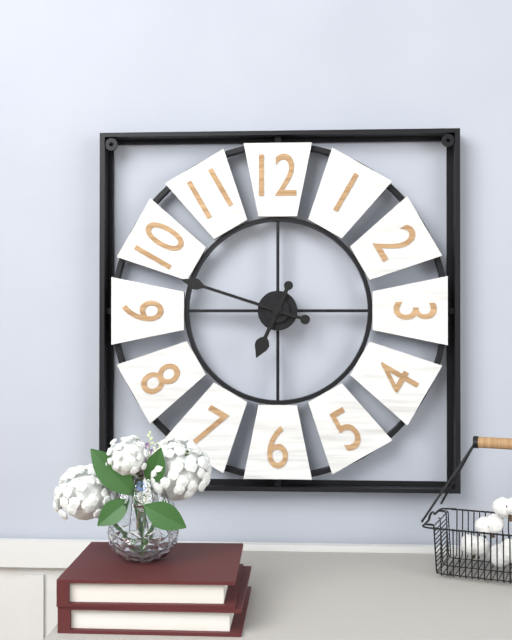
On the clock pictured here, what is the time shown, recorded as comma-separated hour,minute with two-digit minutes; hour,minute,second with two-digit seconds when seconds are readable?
6,48
